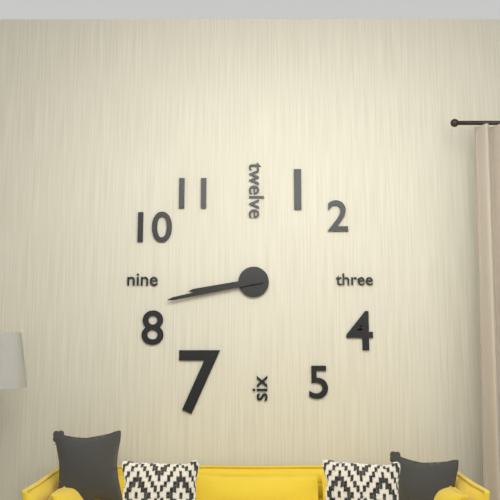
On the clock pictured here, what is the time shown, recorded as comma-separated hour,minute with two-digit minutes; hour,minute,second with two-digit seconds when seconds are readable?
8,43
